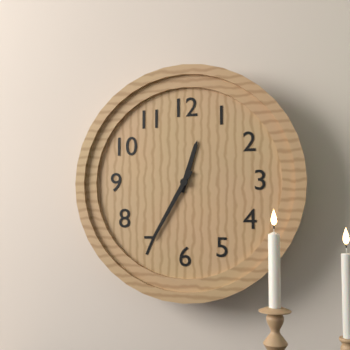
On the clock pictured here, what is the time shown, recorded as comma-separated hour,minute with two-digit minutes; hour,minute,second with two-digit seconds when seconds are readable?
12,35
